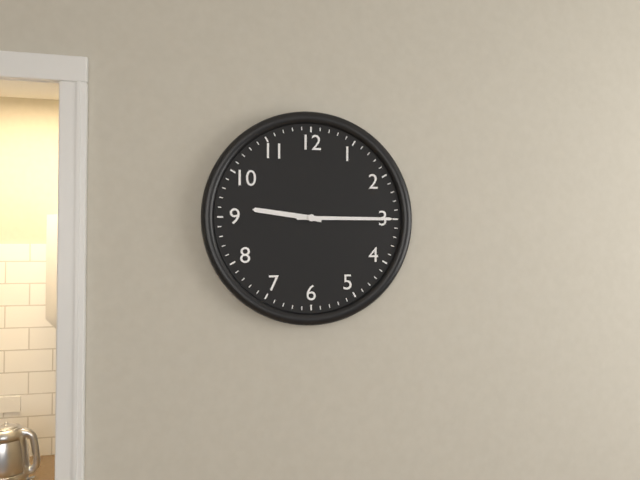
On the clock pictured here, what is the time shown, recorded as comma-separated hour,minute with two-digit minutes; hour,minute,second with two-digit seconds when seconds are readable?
9,15
